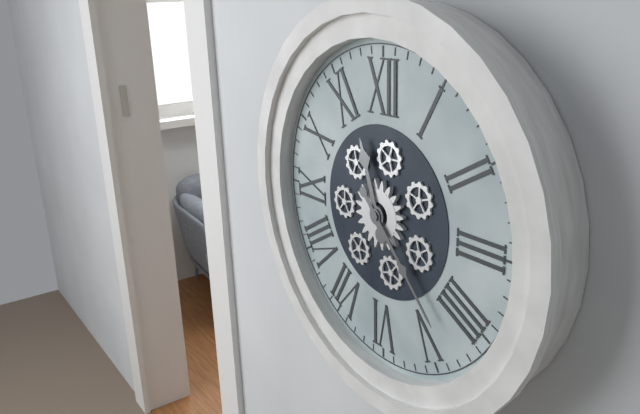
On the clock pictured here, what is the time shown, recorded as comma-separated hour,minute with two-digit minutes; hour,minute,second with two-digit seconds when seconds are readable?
11,23
